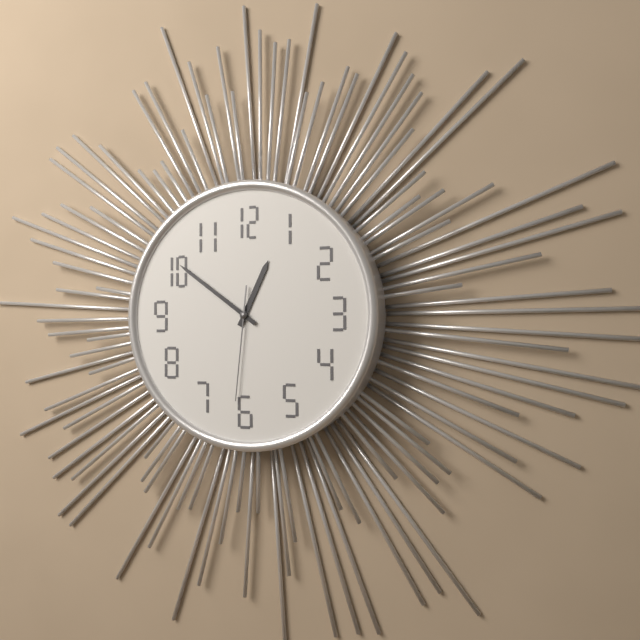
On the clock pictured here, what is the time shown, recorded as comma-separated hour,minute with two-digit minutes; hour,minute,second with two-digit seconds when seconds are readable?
12,51,31
